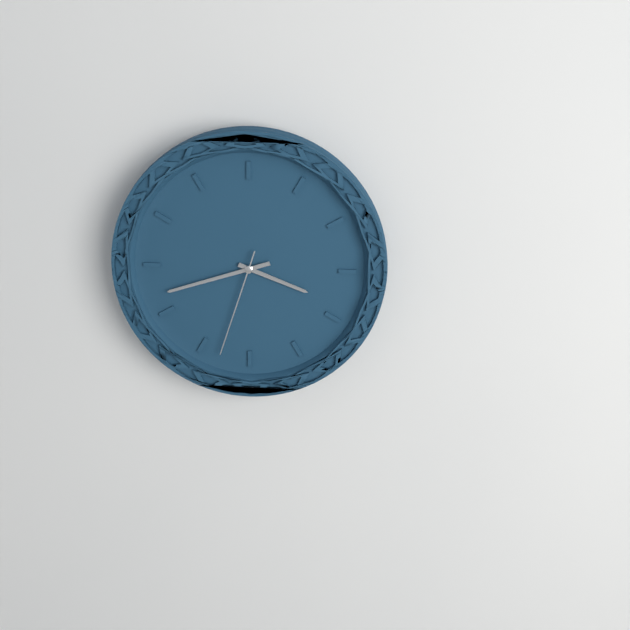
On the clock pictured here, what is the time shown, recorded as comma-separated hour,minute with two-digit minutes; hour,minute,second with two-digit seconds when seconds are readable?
3,42,33
